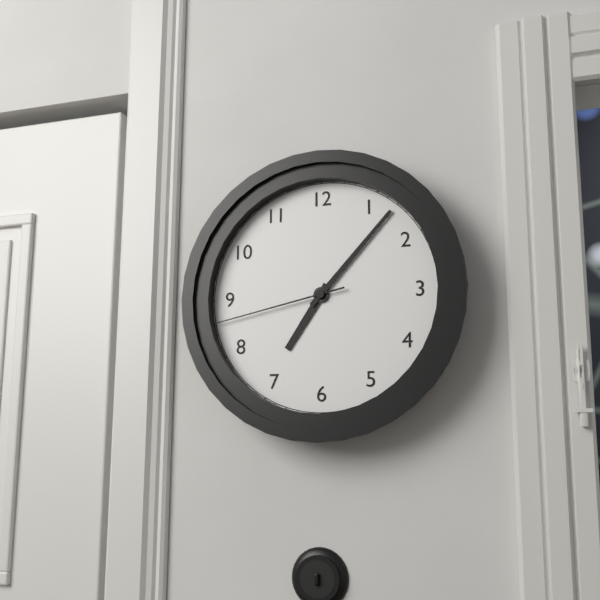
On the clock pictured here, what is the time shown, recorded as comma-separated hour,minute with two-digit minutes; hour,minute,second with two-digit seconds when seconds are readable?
7,07,43
